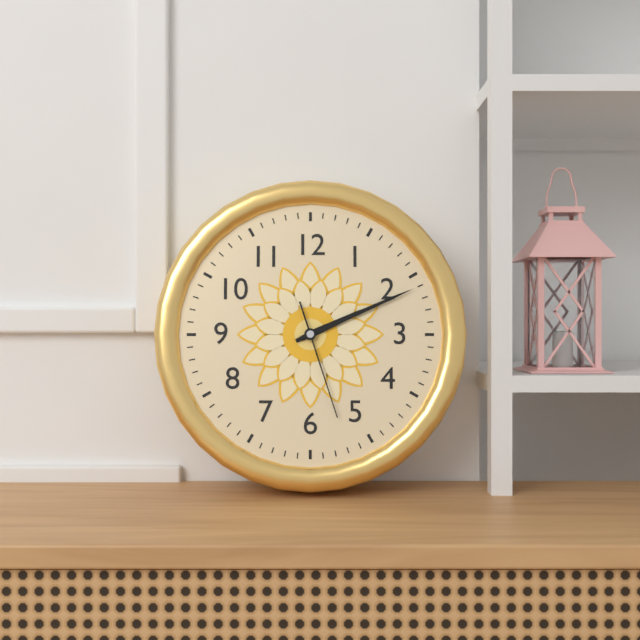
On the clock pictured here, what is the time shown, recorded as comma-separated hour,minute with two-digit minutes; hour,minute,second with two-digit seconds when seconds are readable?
2,11,27
